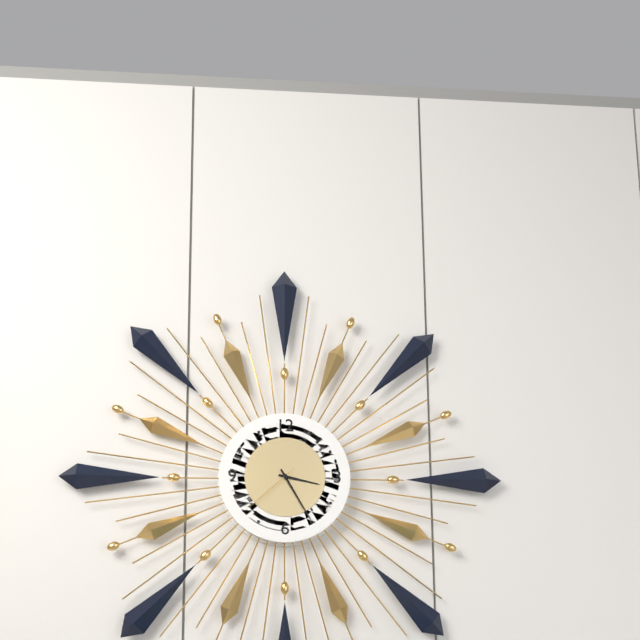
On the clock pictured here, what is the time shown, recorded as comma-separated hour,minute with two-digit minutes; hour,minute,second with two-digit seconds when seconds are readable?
3,25,38
